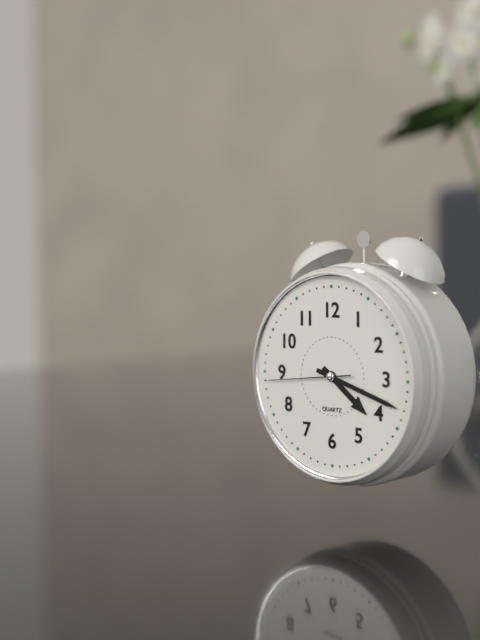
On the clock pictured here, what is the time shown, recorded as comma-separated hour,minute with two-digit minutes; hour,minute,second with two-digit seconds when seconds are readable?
4,18,44
